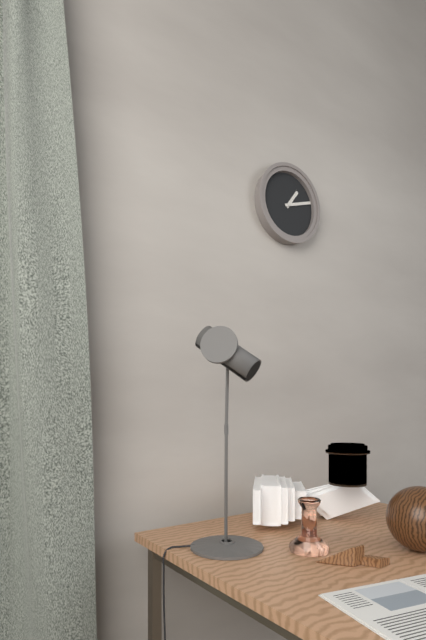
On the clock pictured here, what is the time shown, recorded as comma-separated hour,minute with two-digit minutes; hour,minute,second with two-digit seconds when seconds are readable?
1,12
